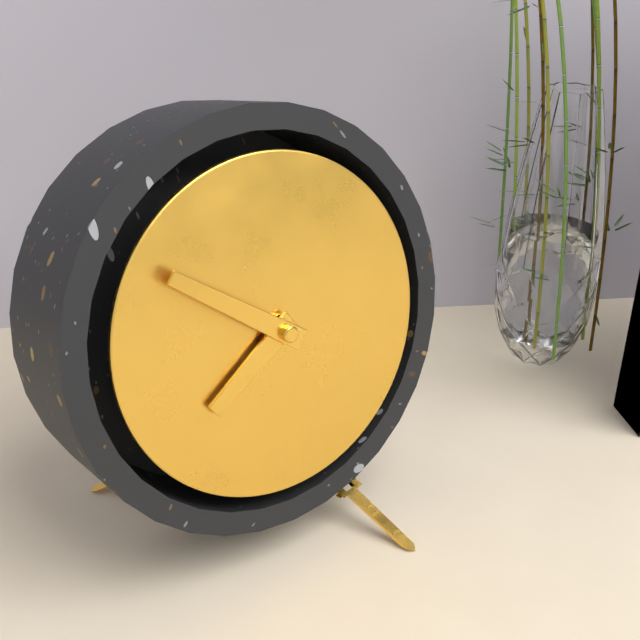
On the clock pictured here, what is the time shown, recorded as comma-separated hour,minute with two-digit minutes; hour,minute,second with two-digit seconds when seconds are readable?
7,51
